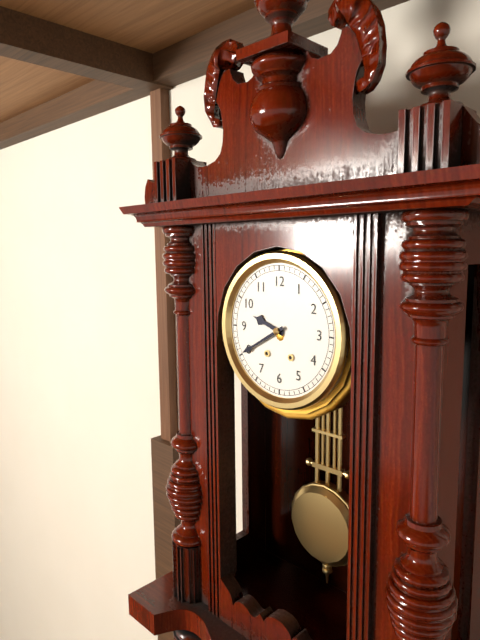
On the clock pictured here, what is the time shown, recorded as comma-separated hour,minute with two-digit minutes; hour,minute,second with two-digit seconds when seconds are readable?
9,40
